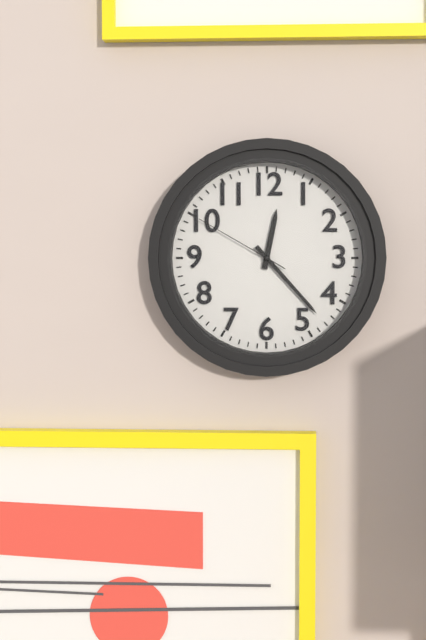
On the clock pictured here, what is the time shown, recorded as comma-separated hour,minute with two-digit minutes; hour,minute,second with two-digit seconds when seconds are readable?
12,23,50
